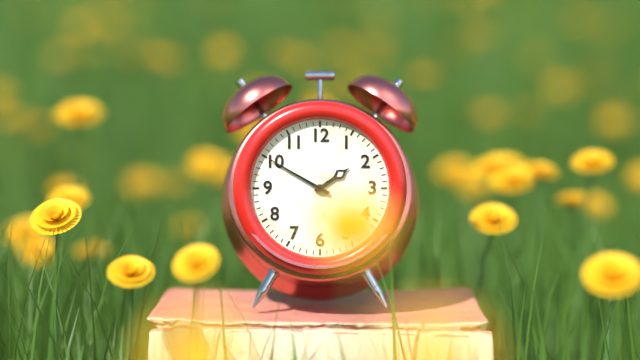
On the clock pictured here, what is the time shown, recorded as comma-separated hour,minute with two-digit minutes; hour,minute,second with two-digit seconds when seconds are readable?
1,50
